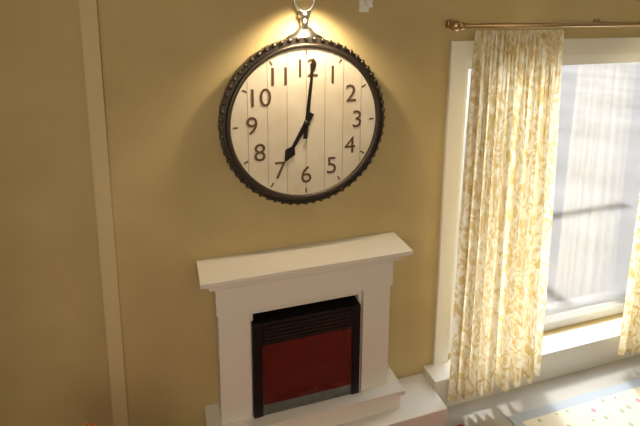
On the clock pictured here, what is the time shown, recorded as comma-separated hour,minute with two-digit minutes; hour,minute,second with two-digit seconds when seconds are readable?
7,01
